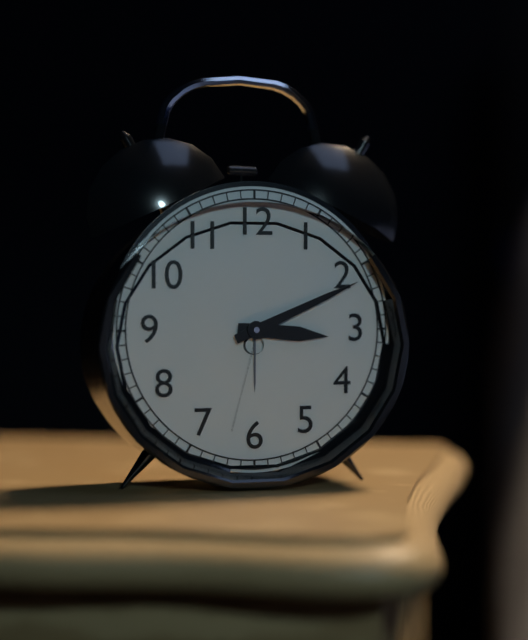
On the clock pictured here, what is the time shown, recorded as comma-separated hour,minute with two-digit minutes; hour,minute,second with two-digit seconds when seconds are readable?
3,11
